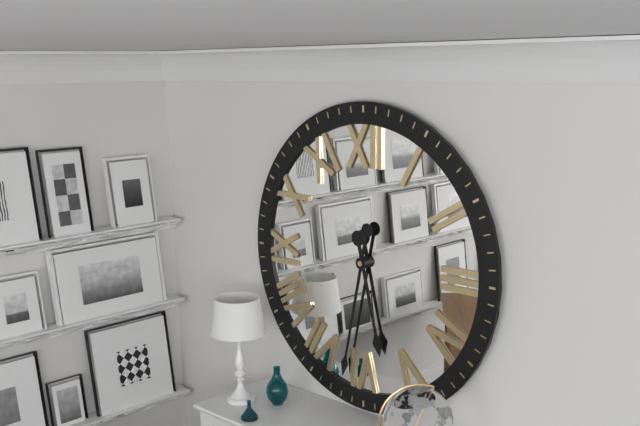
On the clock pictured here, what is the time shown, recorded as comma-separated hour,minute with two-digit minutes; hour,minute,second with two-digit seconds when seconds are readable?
5,32
